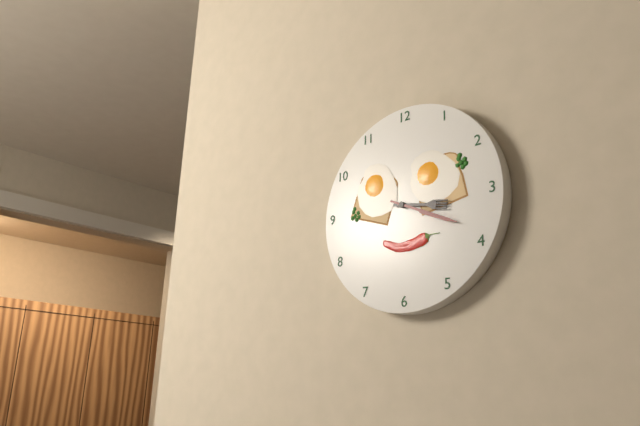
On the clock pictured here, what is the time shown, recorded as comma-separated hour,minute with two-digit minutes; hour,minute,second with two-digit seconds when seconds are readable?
3,19
